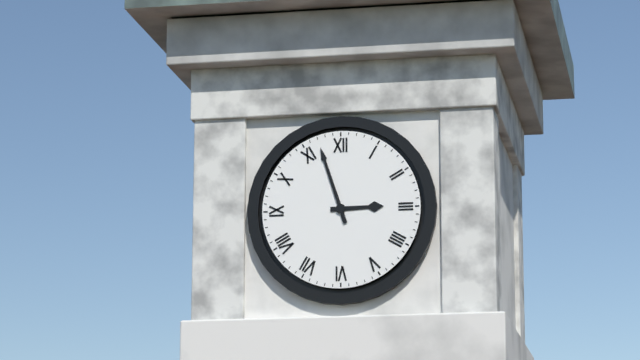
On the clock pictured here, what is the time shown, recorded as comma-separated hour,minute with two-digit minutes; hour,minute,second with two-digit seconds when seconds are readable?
2,57
